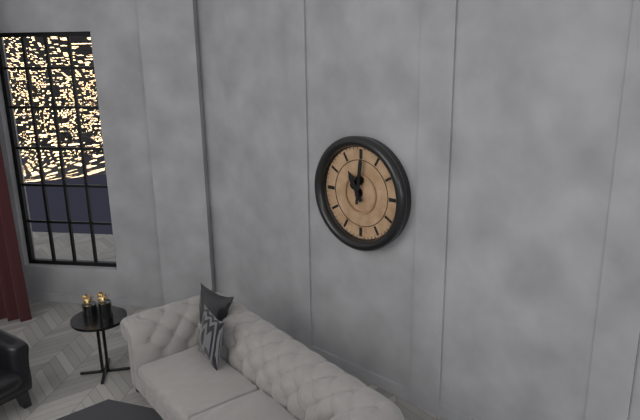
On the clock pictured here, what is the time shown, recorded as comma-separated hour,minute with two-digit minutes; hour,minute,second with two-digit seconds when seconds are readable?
11,01
